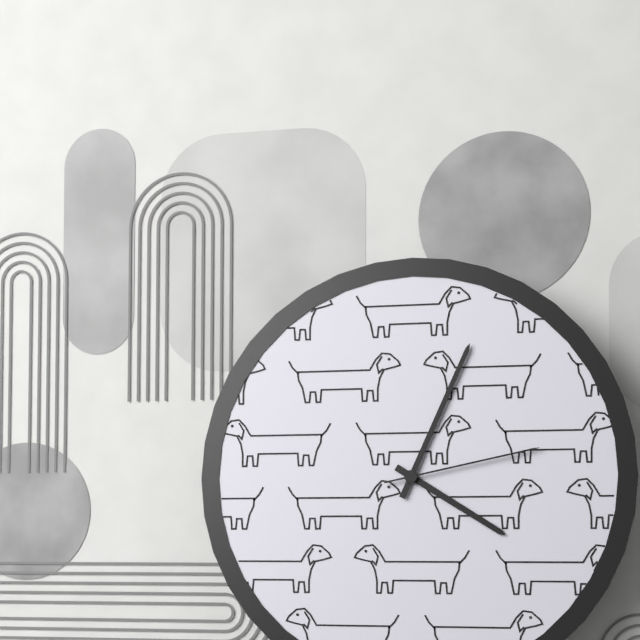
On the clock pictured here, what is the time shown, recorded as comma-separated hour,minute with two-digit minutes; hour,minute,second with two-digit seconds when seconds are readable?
4,04,13
